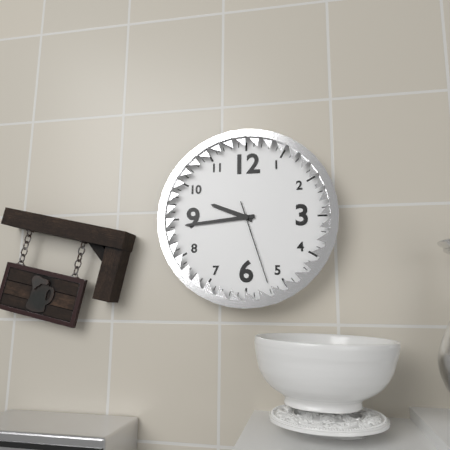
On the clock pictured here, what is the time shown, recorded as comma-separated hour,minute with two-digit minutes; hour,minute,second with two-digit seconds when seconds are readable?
9,44,27
